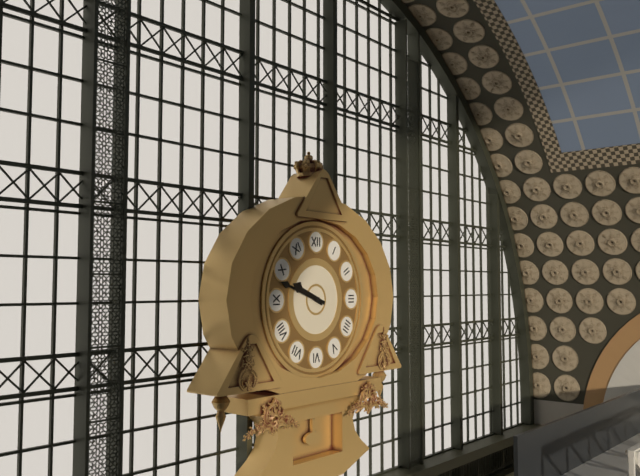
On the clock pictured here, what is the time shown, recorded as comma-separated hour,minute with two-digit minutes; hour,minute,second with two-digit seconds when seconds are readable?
9,48
